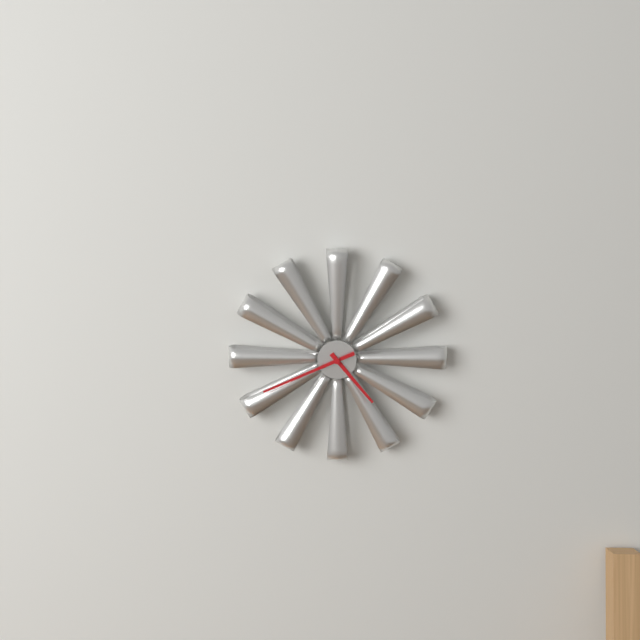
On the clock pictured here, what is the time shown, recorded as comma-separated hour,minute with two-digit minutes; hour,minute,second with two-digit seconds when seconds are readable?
4,41
